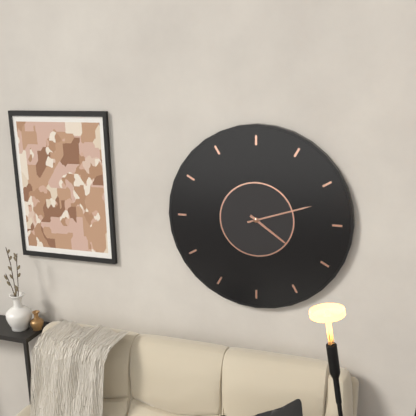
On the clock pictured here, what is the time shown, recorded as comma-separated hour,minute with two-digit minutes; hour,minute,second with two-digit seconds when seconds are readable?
4,12
